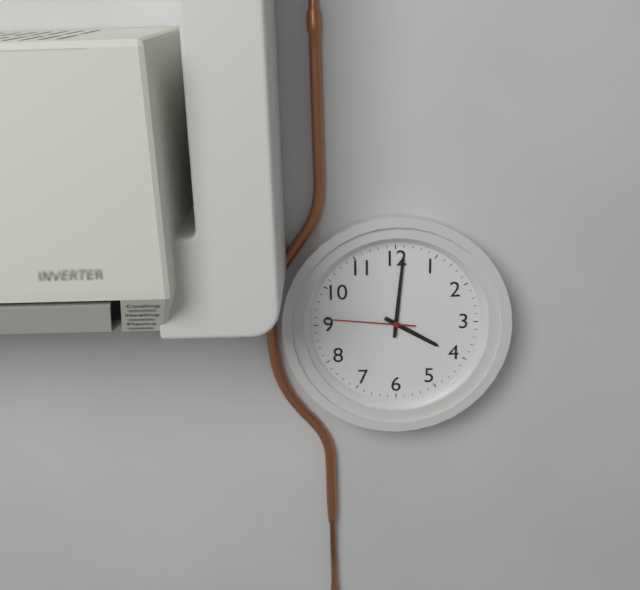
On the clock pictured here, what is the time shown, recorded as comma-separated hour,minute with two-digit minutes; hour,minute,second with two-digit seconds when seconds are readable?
4,01,46
